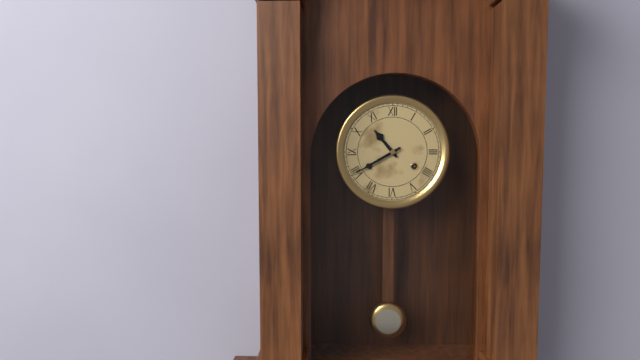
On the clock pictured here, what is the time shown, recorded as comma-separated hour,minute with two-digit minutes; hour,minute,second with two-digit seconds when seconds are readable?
10,40
